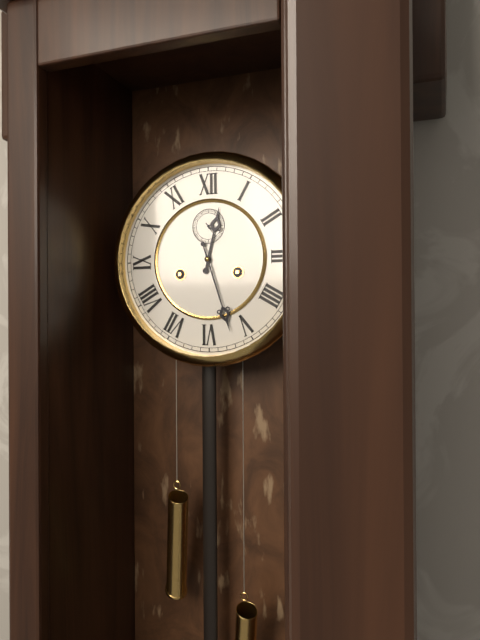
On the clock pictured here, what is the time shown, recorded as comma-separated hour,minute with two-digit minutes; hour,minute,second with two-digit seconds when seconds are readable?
12,27
